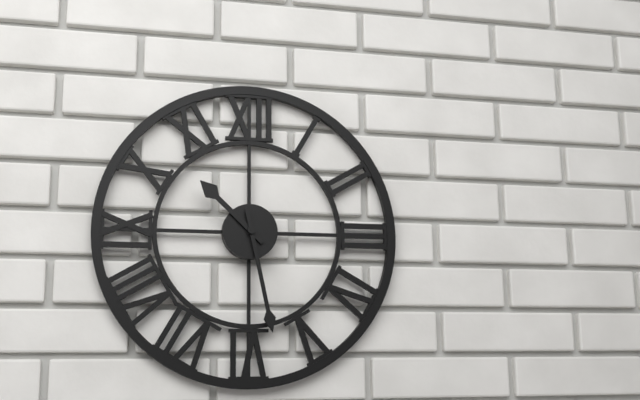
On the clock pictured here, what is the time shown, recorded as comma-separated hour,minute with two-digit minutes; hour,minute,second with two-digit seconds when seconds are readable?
10,28
